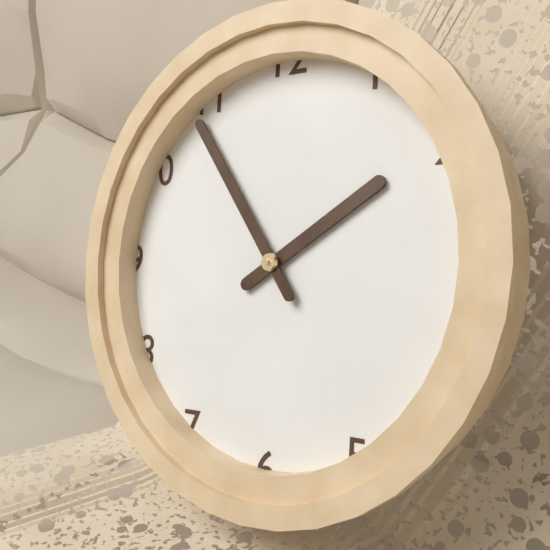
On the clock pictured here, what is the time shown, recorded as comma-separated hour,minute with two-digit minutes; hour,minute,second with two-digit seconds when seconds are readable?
1,54
